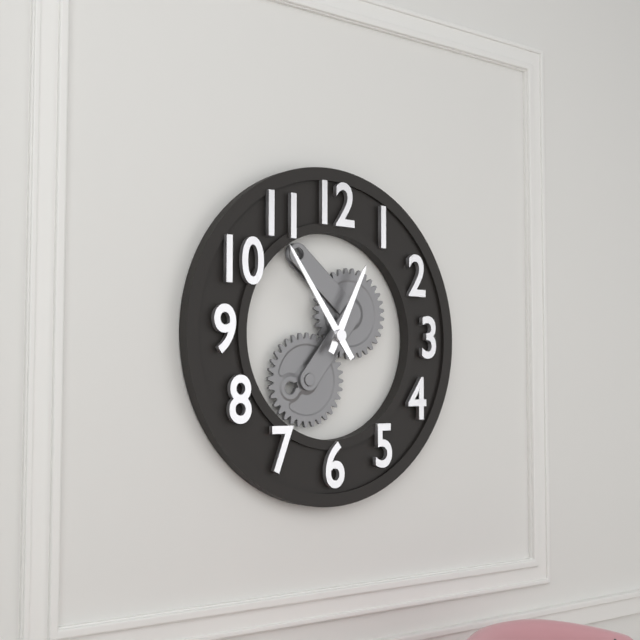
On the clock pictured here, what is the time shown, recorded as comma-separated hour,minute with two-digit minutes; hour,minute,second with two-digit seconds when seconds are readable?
12,54
